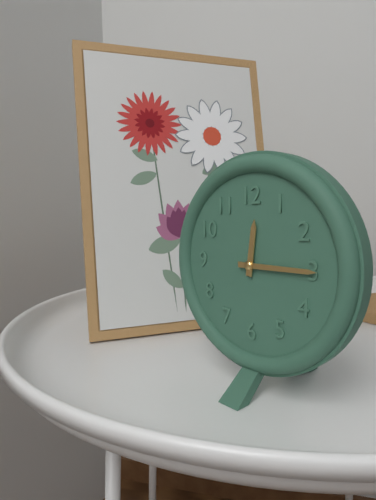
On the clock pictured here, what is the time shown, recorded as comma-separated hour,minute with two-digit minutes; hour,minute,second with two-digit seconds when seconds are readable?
12,15
